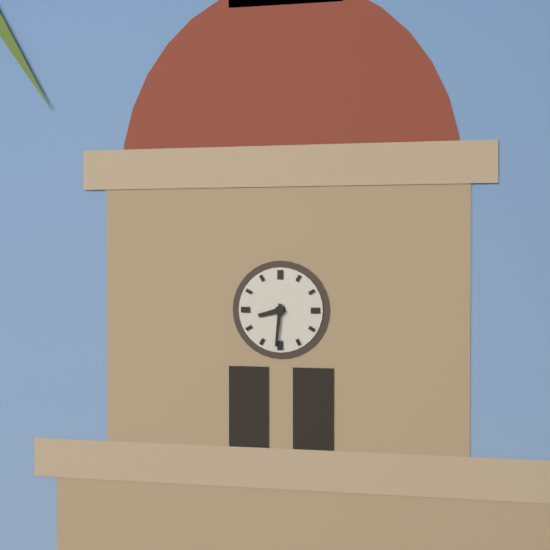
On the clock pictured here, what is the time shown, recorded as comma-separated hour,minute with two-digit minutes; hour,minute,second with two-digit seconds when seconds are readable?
8,31
